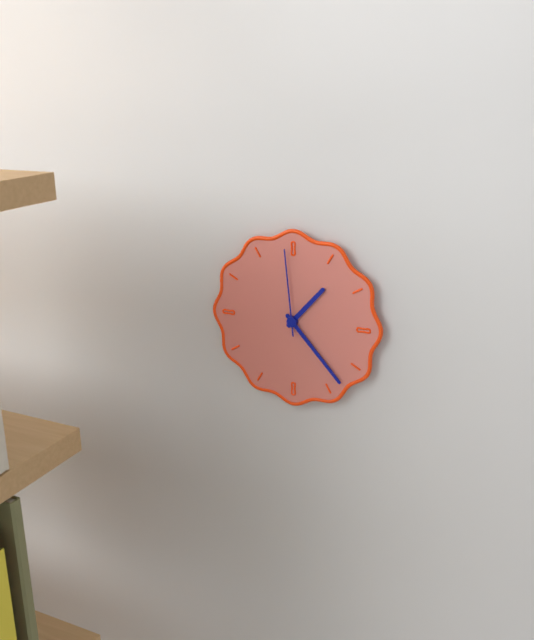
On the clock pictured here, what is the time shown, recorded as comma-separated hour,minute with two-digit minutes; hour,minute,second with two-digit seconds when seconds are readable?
1,23,59
